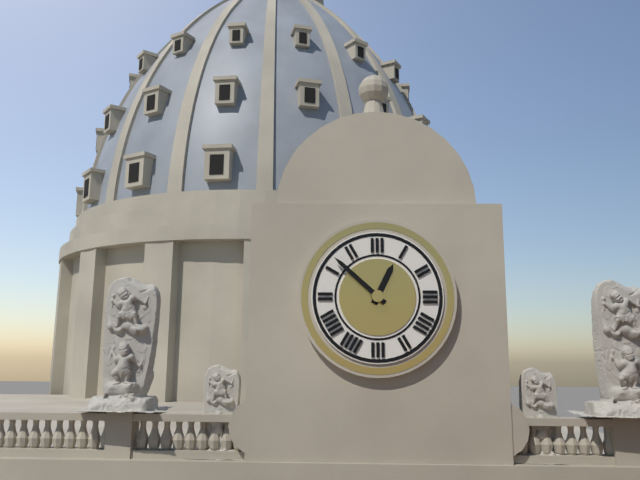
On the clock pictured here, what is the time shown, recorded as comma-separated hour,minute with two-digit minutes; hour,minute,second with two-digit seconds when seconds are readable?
12,52
